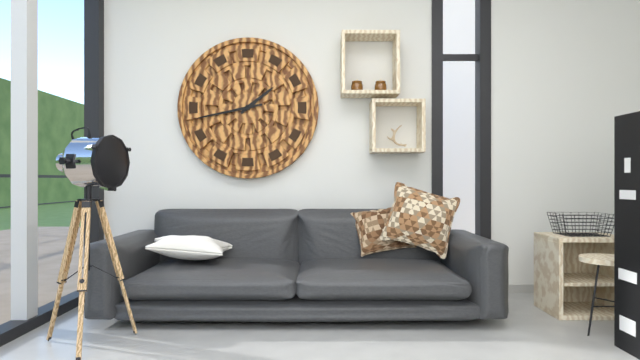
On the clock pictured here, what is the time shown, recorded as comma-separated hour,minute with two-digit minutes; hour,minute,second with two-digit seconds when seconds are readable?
1,43
